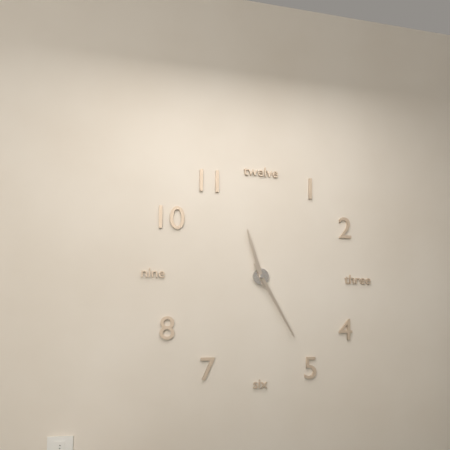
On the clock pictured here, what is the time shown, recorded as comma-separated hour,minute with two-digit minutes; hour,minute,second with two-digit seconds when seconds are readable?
11,25
